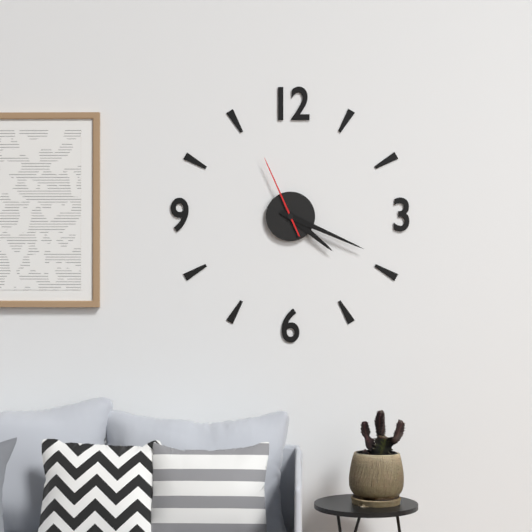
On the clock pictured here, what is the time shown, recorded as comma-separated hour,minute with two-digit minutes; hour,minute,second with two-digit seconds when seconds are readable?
4,19,56
